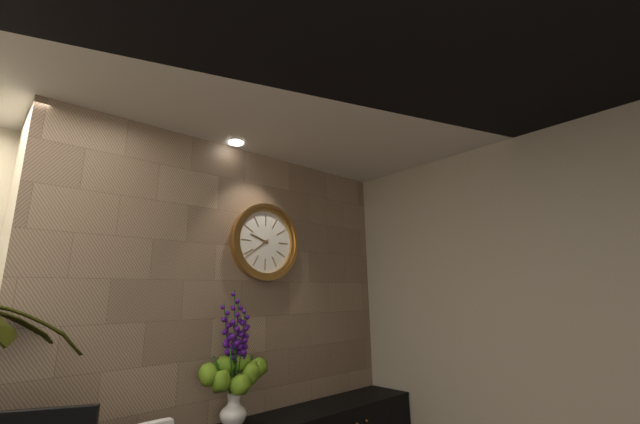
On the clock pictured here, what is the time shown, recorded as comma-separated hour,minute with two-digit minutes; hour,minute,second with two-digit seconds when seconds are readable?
9,39
